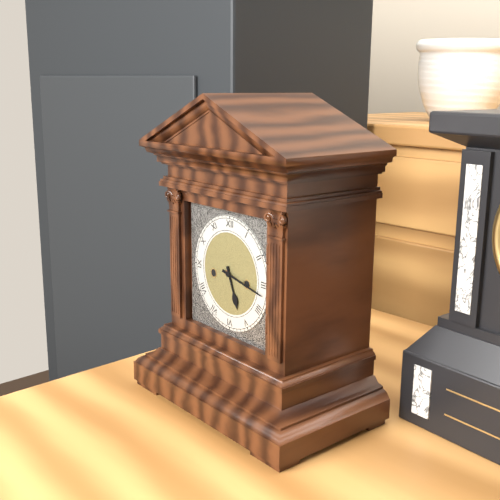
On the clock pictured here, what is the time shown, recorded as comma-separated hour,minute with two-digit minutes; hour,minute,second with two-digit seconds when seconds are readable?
5,17
